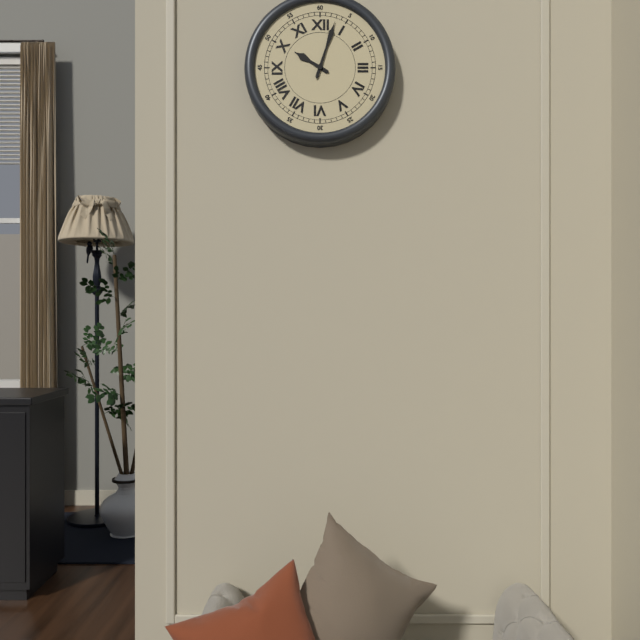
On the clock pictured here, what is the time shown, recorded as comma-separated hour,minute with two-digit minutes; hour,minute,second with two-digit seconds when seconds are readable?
10,03
